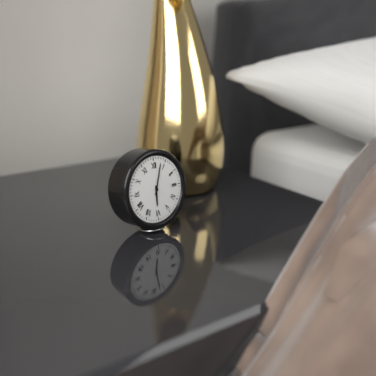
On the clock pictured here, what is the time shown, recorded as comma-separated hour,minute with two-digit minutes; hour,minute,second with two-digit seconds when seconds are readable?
6,03
